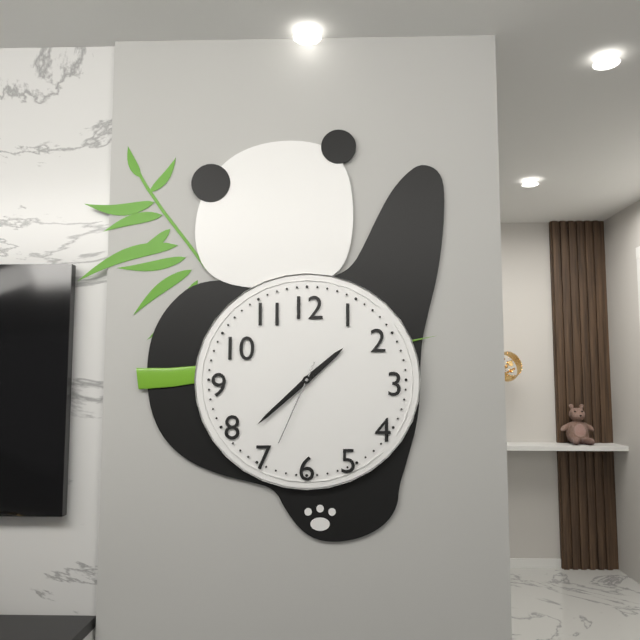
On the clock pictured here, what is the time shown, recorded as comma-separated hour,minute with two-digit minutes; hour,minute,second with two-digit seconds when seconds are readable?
1,38,34
